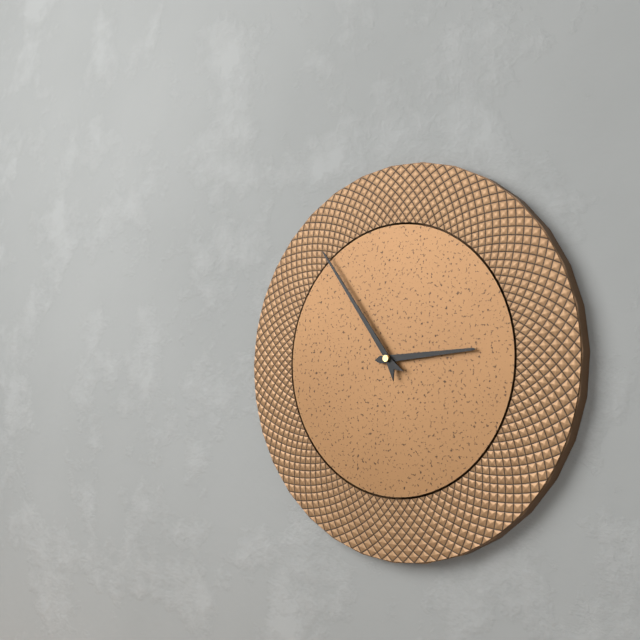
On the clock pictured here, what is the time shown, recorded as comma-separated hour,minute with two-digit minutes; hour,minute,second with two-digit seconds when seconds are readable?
2,54
